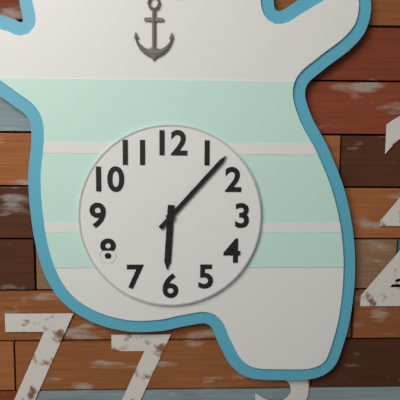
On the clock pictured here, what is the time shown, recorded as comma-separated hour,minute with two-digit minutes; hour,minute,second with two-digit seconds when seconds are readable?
6,07
